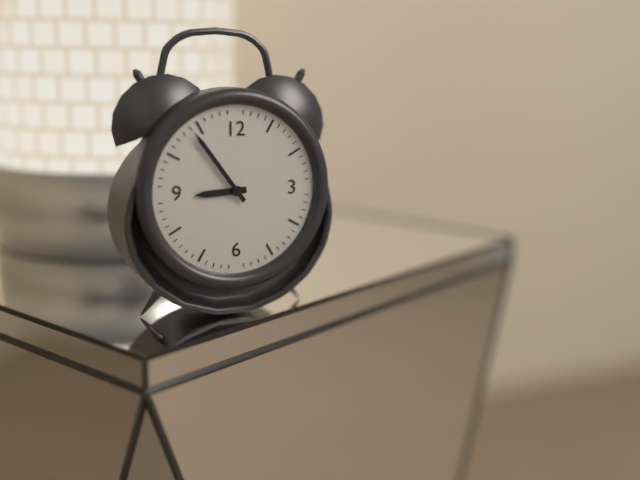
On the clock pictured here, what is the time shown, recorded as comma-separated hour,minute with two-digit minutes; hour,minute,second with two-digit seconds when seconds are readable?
8,54
